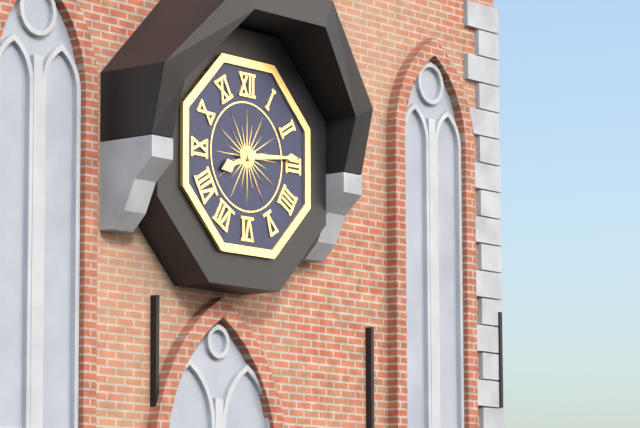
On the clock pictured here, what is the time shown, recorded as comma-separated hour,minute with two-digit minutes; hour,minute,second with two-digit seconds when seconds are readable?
8,14
